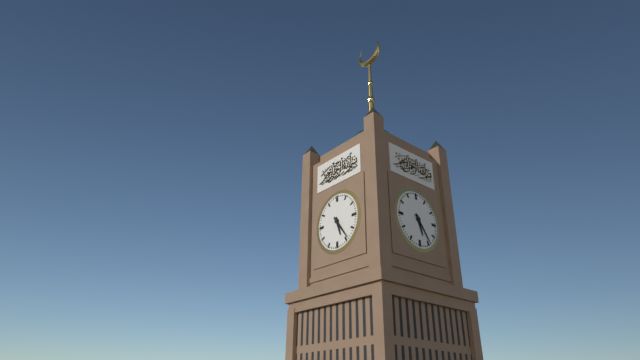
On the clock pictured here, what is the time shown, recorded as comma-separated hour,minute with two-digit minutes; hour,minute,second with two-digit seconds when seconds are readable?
5,24
